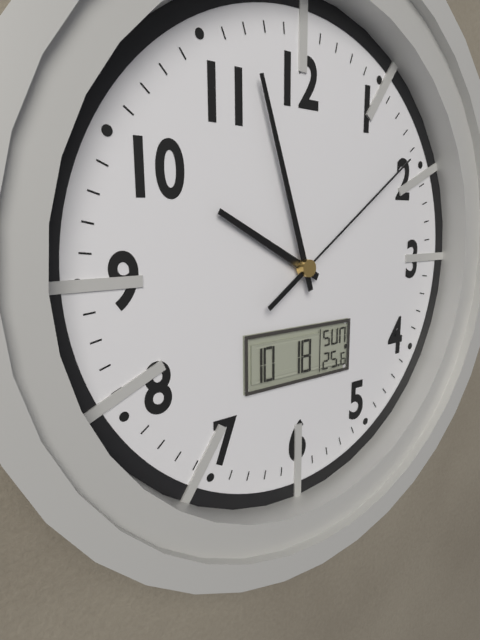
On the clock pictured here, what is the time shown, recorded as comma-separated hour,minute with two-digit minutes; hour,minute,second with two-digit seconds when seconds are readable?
9,57,09
